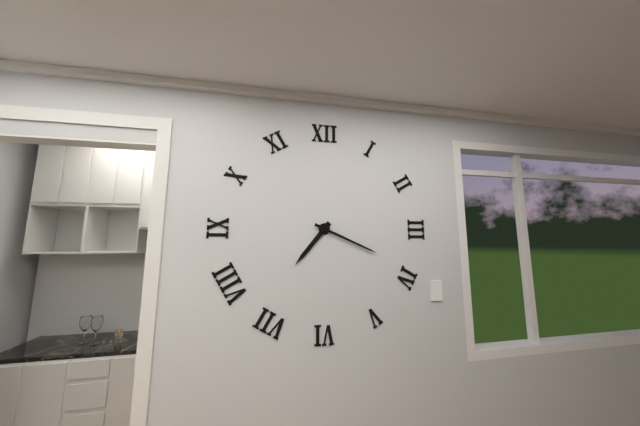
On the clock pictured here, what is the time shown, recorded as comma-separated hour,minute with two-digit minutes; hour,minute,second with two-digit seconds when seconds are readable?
7,19
